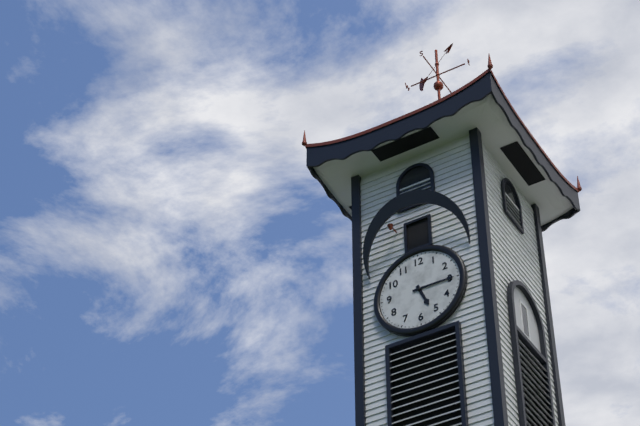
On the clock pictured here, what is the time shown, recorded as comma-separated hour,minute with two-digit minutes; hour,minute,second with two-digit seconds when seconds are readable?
5,15
